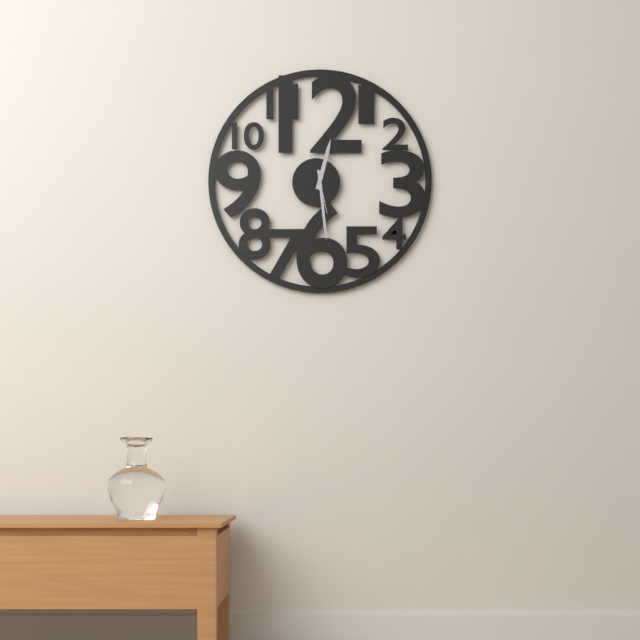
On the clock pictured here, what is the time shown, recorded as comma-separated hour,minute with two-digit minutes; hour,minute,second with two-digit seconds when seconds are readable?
12,29
